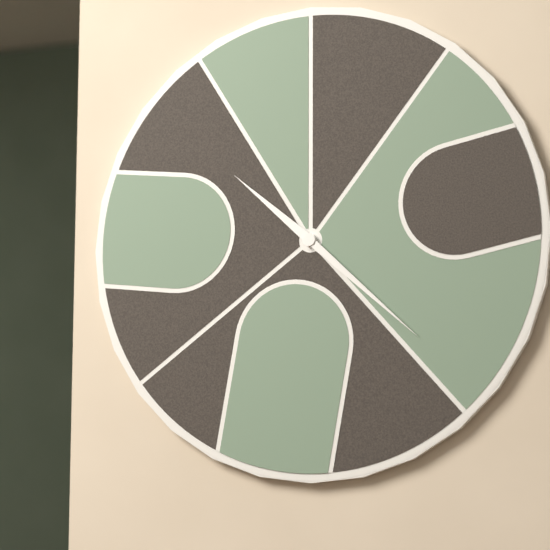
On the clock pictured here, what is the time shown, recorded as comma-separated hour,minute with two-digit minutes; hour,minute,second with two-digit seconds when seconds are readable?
10,22
